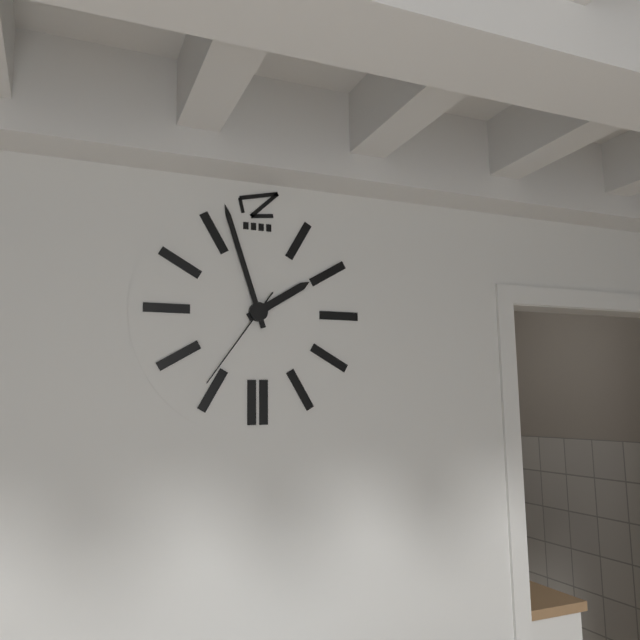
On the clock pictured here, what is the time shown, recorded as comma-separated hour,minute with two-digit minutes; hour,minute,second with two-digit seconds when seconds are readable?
1,57,36
